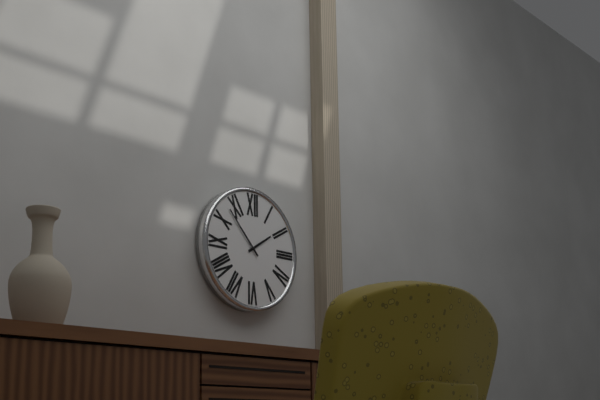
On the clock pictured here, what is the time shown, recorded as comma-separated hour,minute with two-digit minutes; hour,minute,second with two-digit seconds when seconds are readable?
1,53
